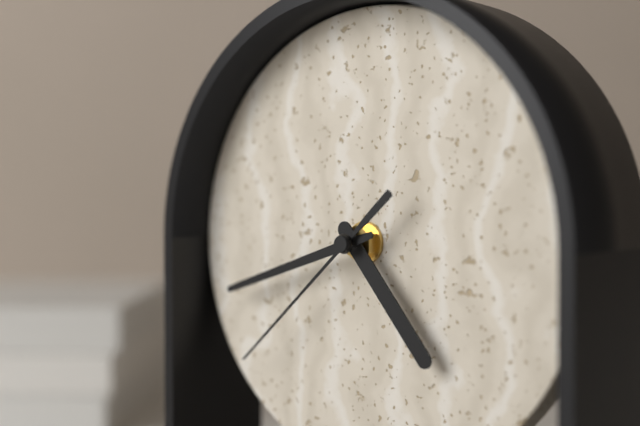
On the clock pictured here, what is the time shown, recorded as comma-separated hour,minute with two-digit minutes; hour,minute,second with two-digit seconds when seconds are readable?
4,42,38
